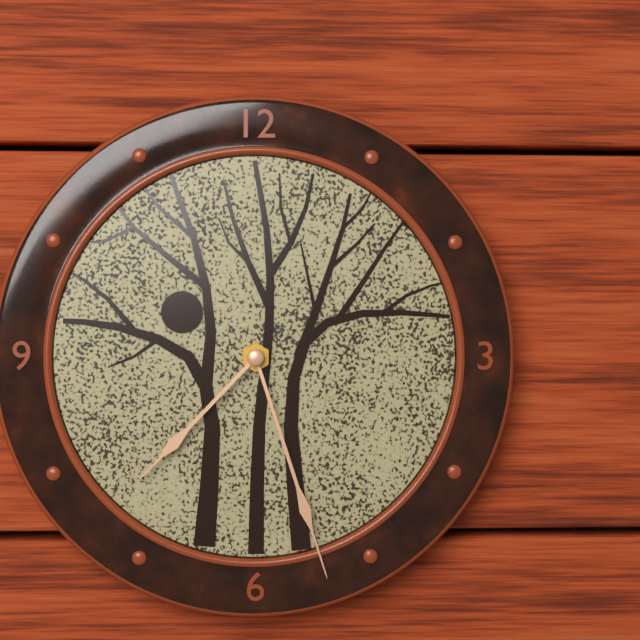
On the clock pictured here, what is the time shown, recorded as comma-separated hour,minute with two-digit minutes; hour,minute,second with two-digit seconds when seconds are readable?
7,27
